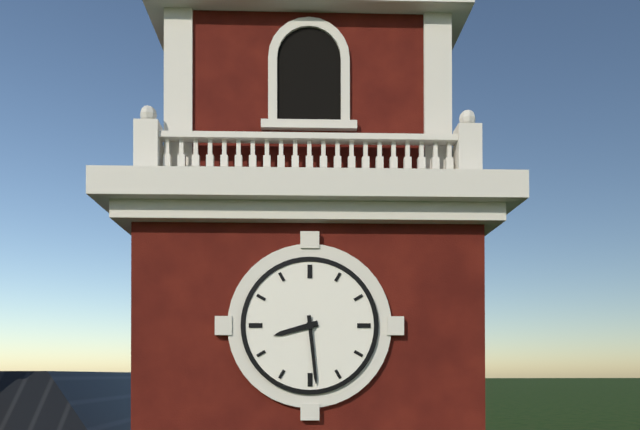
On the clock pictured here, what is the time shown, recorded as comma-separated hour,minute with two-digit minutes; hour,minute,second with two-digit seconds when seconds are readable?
8,29
